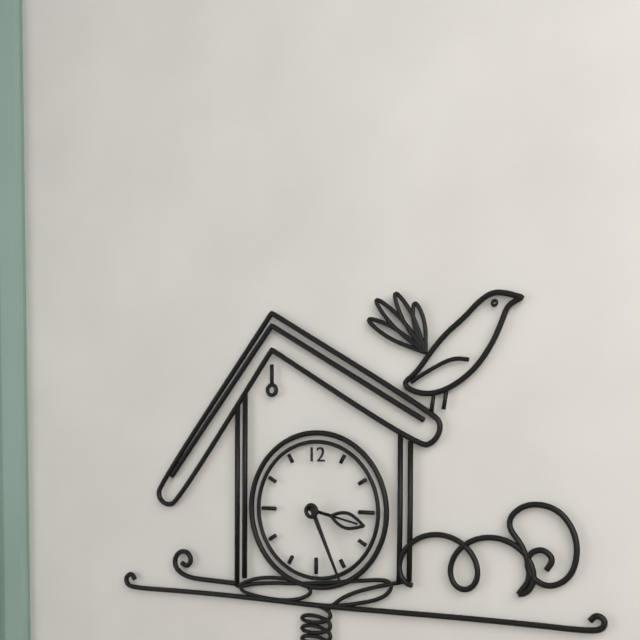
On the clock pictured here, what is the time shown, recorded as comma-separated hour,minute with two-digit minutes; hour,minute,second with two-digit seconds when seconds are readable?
3,26
